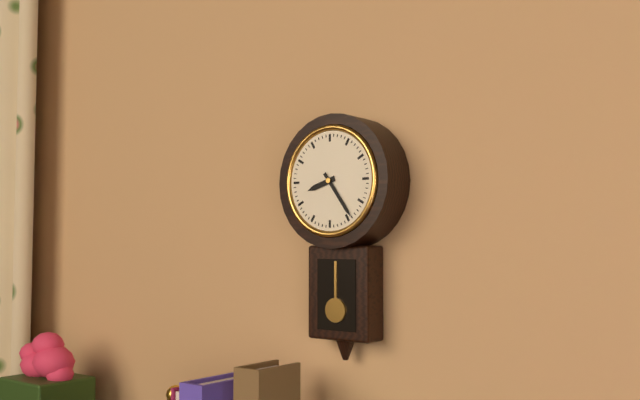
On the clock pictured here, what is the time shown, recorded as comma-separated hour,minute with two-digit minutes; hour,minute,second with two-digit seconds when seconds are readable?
8,24
